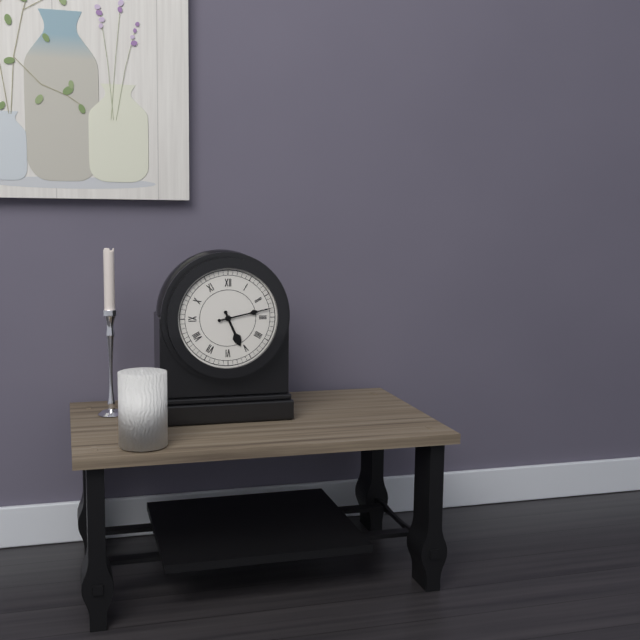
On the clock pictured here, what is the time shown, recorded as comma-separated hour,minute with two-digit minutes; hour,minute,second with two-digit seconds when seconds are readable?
5,13
